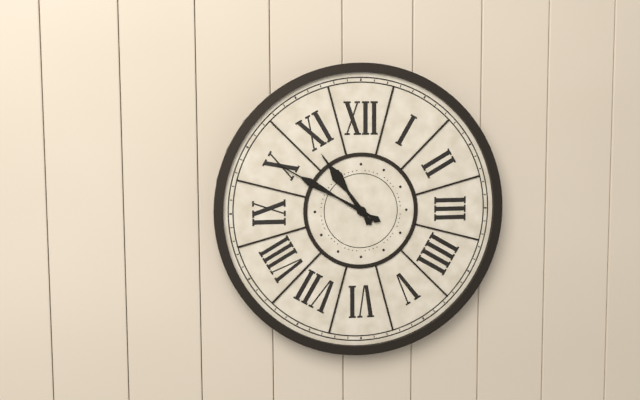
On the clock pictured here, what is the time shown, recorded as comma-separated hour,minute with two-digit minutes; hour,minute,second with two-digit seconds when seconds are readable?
10,50
